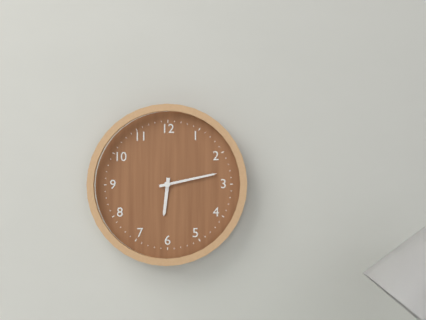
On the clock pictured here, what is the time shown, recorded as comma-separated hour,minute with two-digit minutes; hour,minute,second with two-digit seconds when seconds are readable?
6,13
